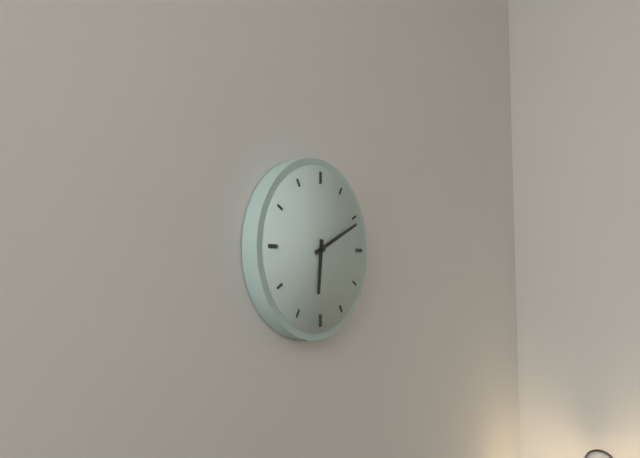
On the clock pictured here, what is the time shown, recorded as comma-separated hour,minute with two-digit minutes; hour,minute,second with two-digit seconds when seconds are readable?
6,11
